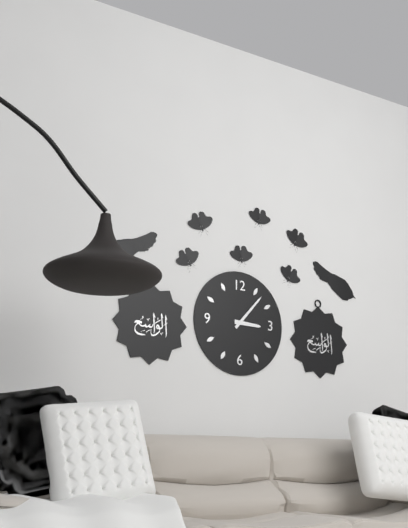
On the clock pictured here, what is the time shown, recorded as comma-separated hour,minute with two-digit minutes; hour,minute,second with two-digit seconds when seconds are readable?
3,07
